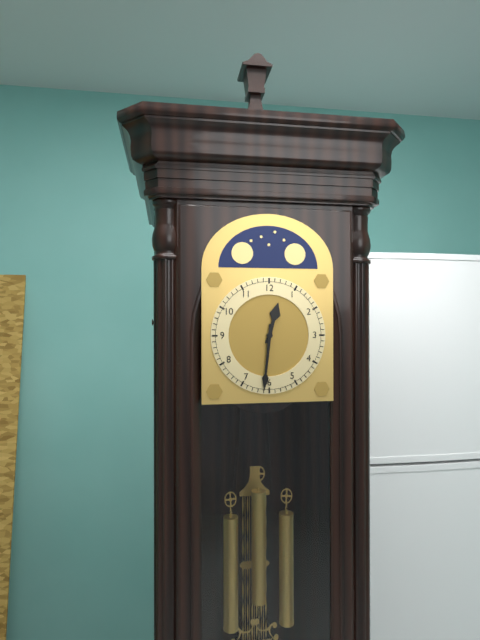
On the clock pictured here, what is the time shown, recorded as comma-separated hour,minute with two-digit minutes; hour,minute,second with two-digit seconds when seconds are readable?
12,31
